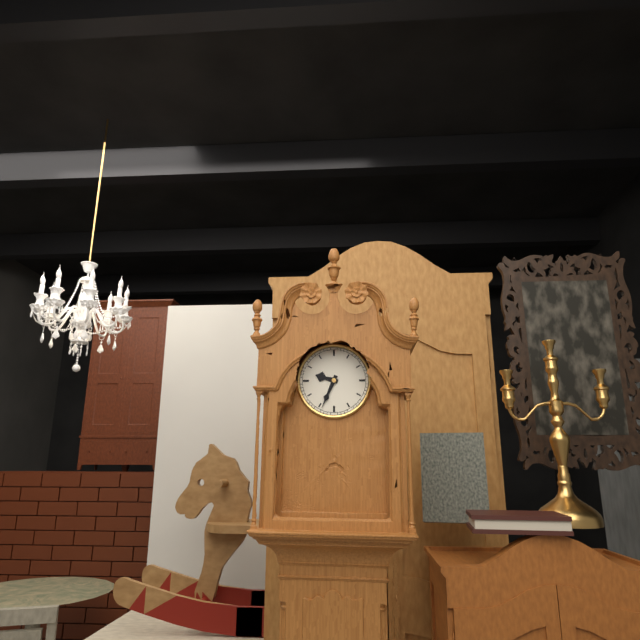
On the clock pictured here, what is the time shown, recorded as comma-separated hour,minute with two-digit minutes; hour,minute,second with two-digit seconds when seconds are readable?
9,34
